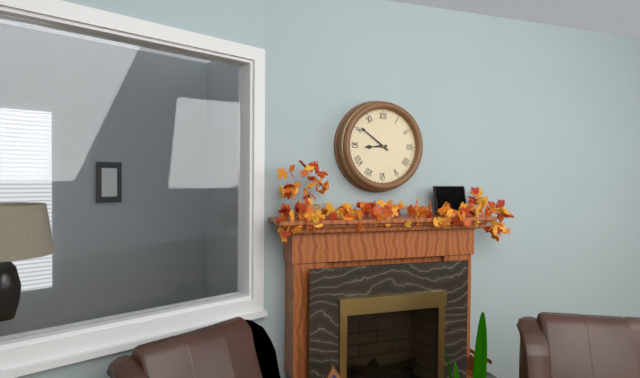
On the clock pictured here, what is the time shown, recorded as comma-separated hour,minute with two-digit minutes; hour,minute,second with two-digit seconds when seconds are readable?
8,51
